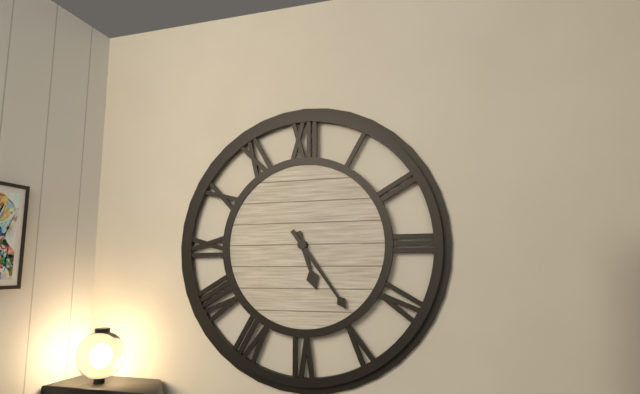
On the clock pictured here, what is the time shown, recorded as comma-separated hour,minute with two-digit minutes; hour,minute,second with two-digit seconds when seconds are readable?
5,24
